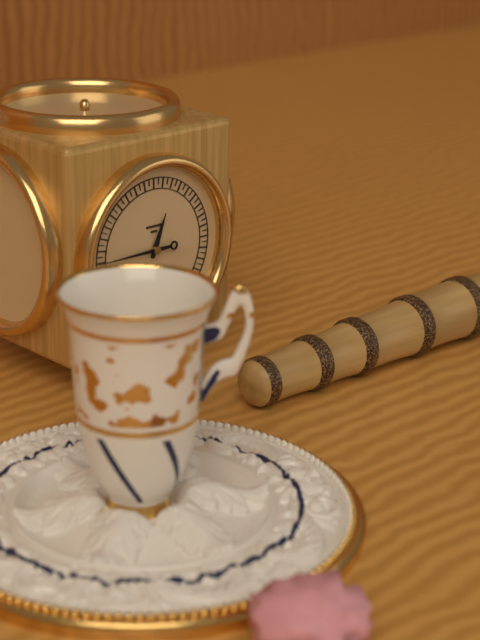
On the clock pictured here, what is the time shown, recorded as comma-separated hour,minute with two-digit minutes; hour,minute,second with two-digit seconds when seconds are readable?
12,45
